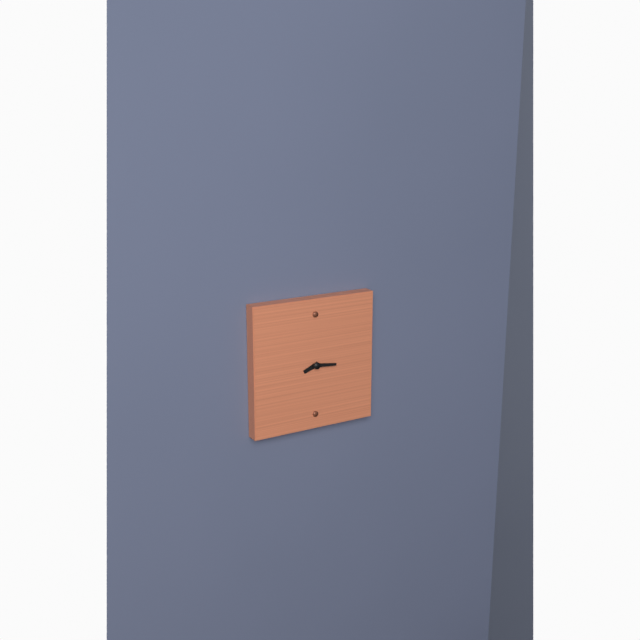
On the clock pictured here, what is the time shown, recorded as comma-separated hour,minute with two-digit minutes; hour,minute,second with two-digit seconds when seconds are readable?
8,16
